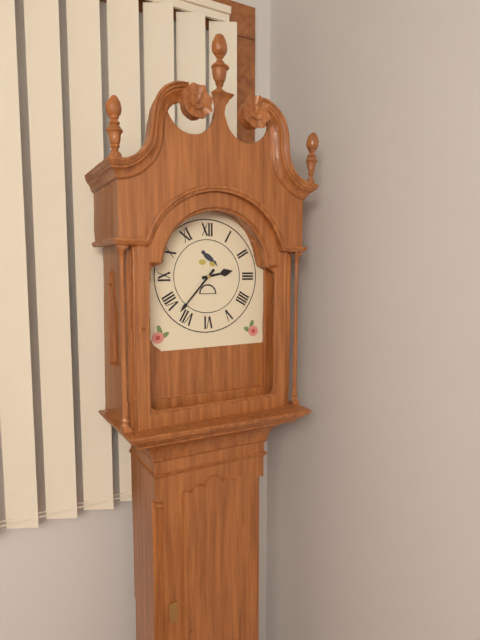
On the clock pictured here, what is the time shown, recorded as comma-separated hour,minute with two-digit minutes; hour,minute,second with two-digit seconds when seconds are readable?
2,37
